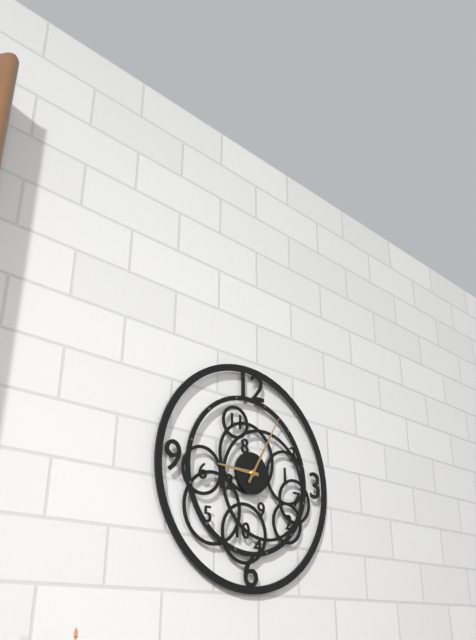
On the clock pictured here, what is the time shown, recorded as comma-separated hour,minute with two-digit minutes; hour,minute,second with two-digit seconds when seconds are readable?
9,05
